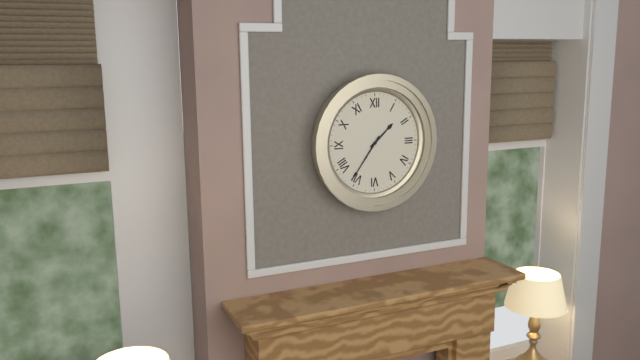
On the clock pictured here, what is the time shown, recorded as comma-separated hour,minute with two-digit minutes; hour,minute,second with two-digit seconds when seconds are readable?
1,36
